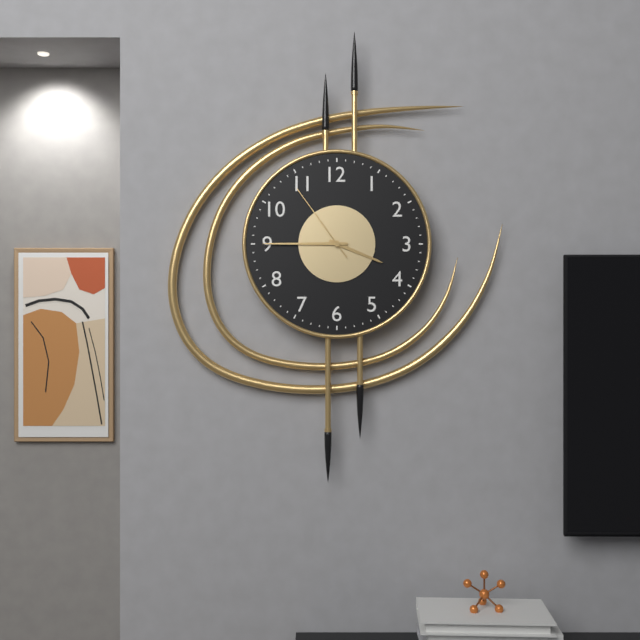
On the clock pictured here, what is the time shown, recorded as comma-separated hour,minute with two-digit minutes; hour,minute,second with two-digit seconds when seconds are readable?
3,45,54
